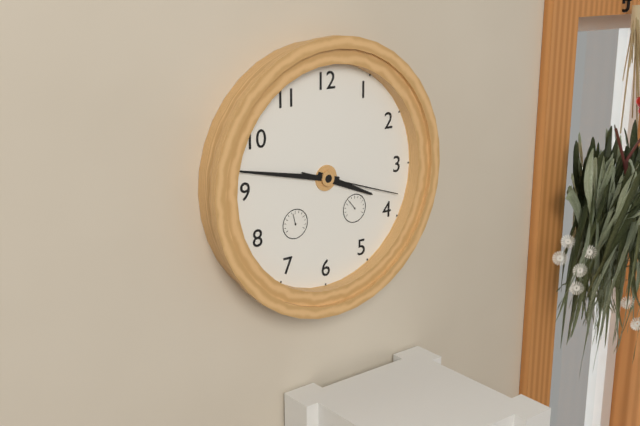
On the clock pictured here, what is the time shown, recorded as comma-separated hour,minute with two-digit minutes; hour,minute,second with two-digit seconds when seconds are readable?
3,47,18
